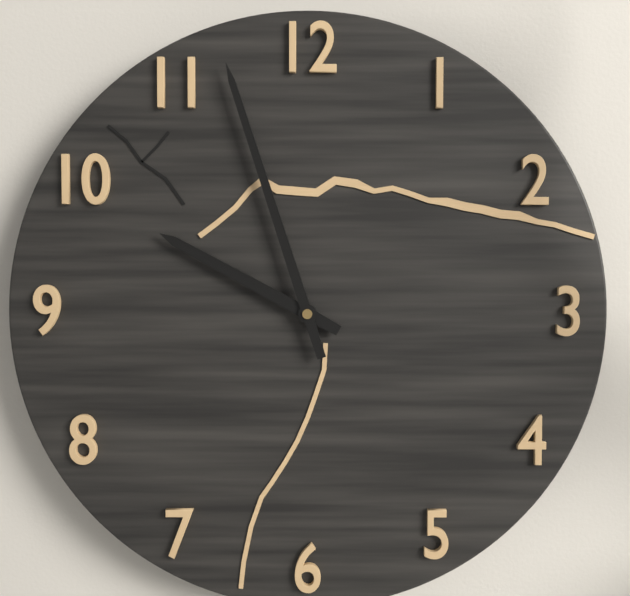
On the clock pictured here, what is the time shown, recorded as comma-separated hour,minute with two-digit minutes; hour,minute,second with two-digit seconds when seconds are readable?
9,57
